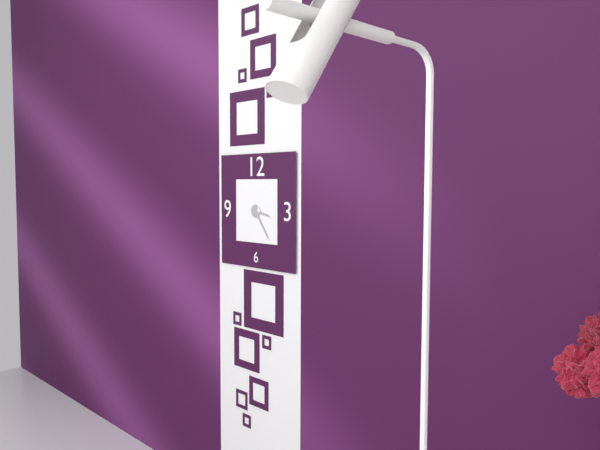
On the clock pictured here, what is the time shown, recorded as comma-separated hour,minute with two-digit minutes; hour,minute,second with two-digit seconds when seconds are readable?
3,24
